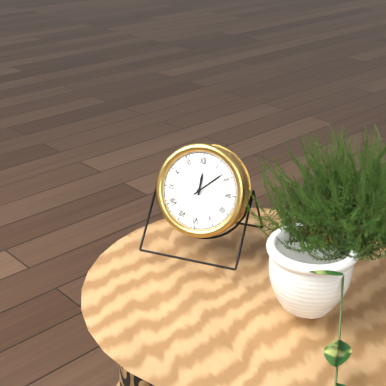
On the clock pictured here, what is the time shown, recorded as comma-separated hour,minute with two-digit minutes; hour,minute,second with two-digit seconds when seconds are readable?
12,08
